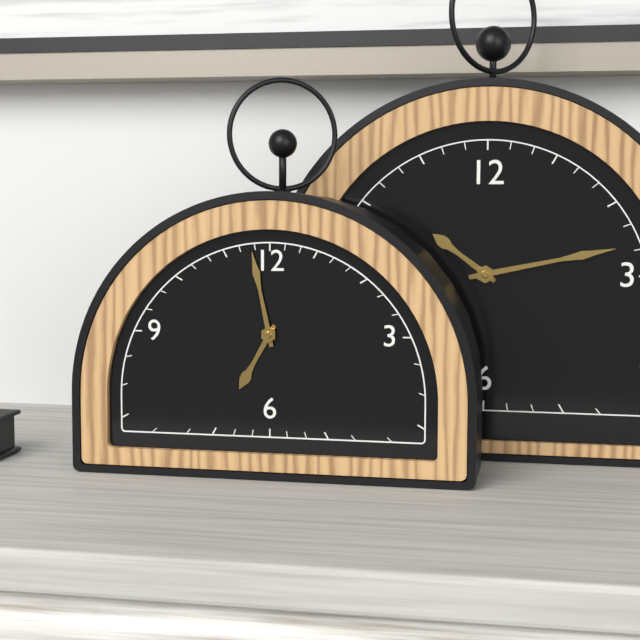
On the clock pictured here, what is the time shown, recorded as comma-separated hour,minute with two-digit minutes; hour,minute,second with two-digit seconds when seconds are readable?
6,58
